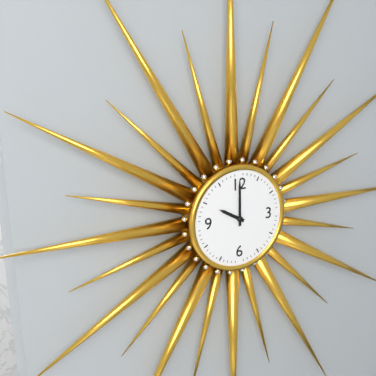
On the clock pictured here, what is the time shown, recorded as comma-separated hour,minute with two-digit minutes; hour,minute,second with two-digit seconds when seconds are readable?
10,00
